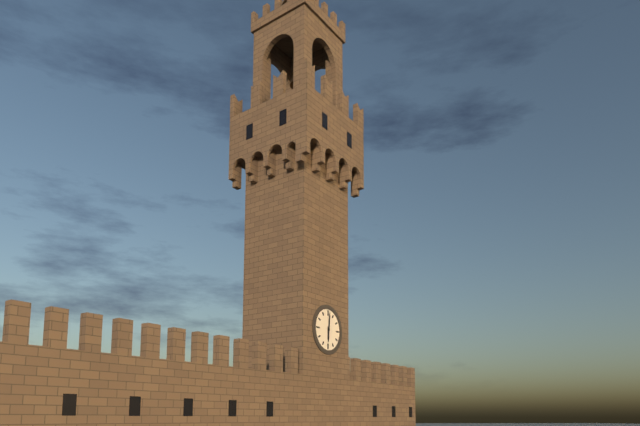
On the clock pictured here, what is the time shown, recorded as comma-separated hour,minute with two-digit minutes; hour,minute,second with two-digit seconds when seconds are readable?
6,01
